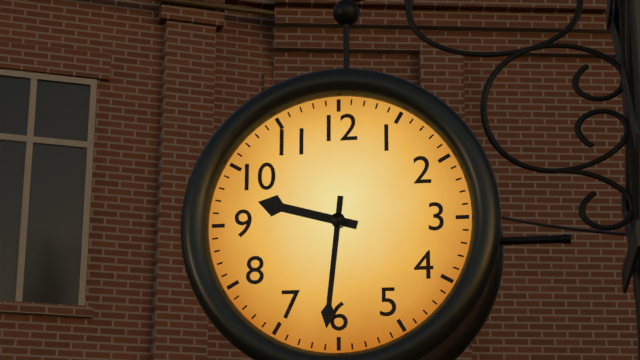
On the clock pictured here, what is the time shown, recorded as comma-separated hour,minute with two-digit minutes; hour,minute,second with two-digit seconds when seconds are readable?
9,31
